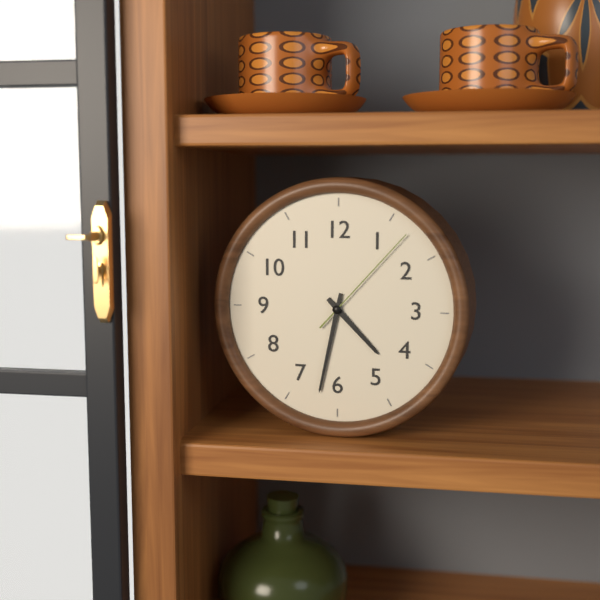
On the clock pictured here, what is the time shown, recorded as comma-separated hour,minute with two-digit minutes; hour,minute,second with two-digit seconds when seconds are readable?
4,32,07
